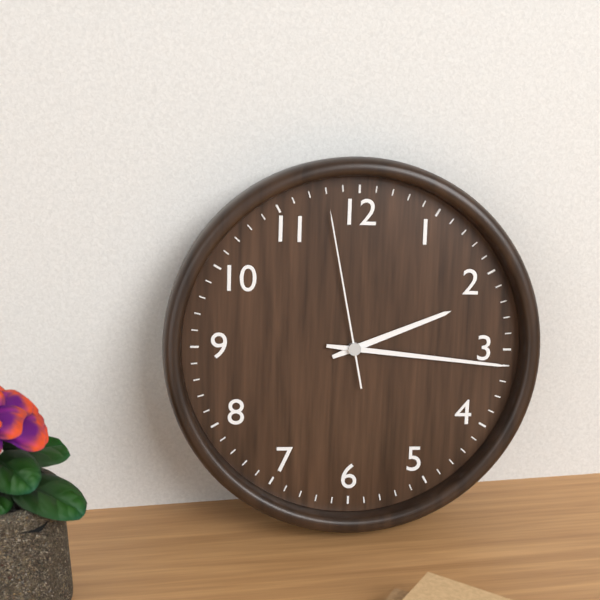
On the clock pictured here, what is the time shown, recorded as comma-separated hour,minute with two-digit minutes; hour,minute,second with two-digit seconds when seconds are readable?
2,16,58
